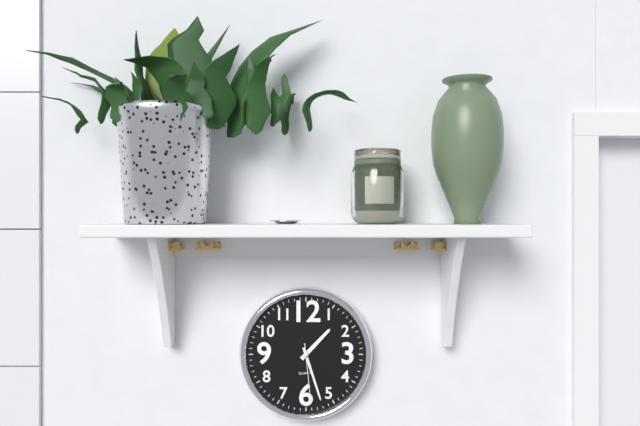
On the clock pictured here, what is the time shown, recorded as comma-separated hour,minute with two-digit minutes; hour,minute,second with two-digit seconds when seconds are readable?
1,27,29
